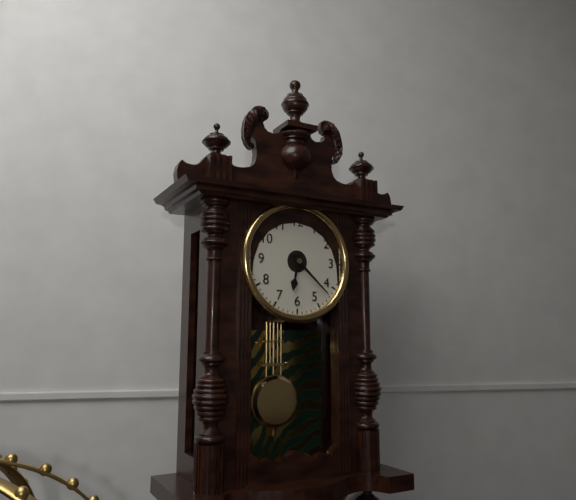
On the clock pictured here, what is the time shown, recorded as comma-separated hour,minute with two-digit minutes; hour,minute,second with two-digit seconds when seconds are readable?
6,22
